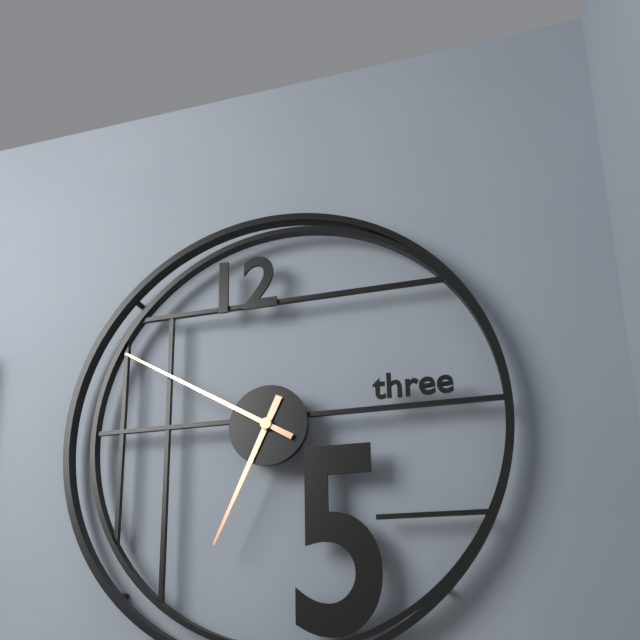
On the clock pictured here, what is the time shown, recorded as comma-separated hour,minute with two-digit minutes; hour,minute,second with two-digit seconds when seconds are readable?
6,50
